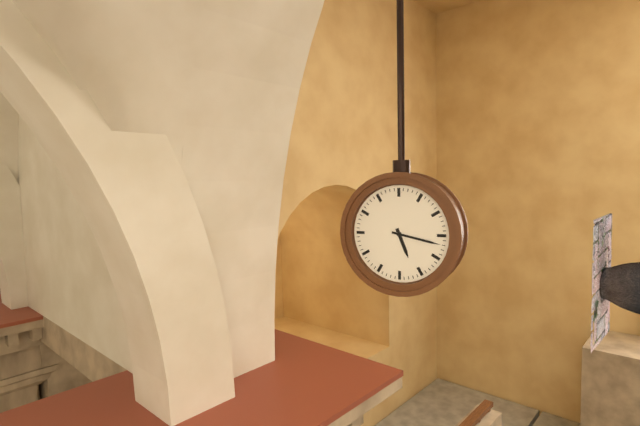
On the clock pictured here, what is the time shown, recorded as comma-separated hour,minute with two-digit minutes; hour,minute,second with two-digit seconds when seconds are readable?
5,17
